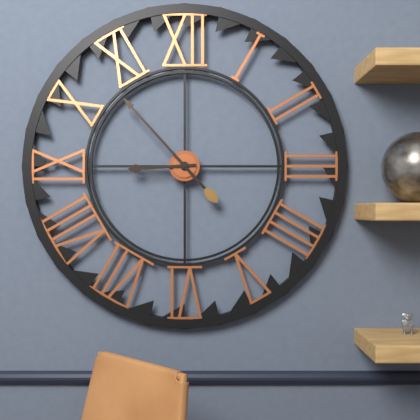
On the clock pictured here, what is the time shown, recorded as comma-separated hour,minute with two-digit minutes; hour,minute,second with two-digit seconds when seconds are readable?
8,53
